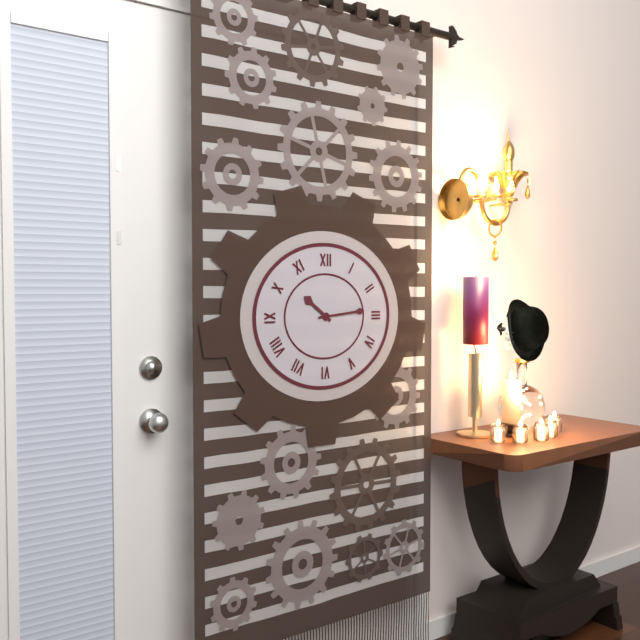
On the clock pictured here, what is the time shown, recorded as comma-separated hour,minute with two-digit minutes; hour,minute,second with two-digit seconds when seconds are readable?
10,14
